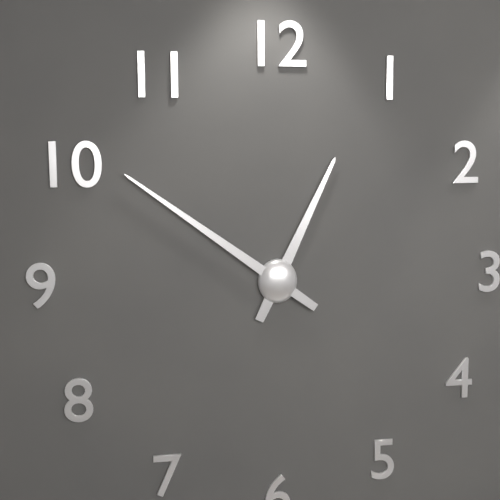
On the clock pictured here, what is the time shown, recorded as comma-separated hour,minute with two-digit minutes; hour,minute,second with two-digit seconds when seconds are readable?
12,51
